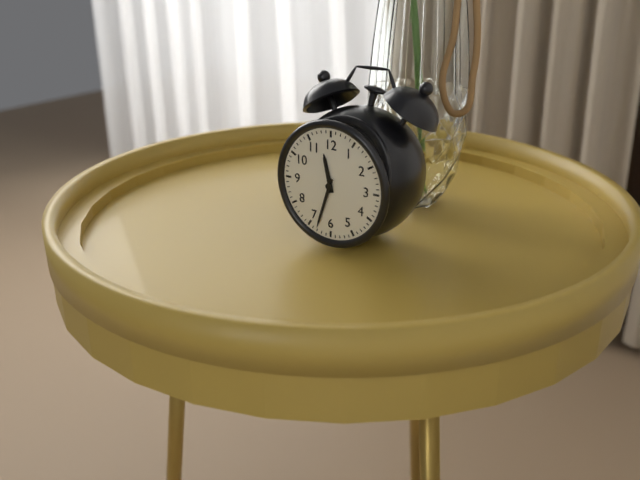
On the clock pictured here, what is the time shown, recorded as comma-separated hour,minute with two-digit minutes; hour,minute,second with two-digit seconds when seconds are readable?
11,33
